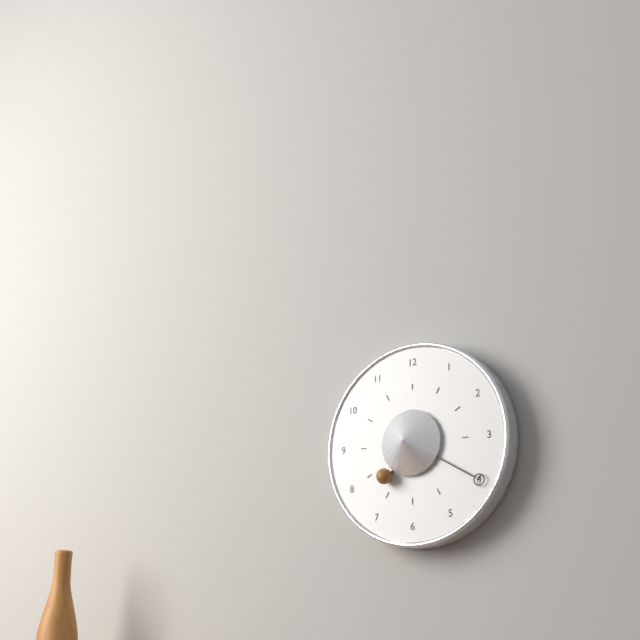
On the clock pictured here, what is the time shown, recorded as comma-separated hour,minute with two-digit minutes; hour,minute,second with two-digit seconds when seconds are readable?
7,20
